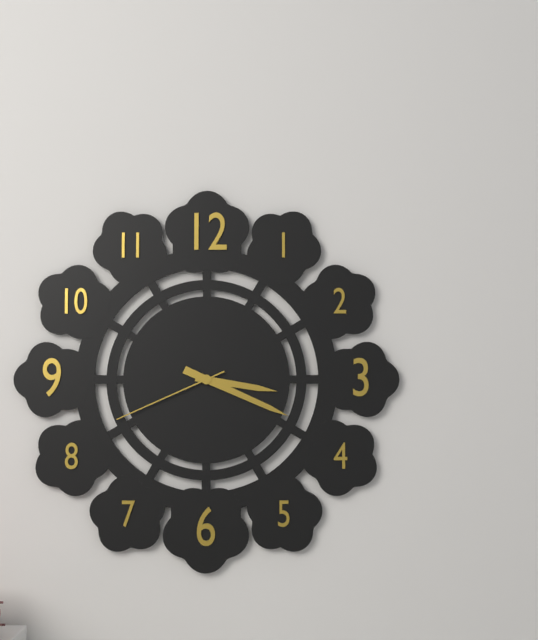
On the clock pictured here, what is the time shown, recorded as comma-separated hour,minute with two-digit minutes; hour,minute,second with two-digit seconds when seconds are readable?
3,19,41
